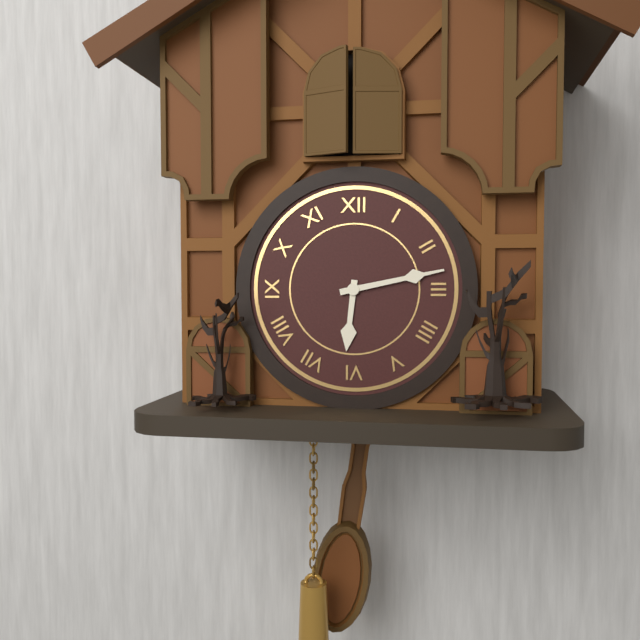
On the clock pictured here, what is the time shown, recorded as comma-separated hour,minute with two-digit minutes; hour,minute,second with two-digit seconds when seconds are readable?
6,13
